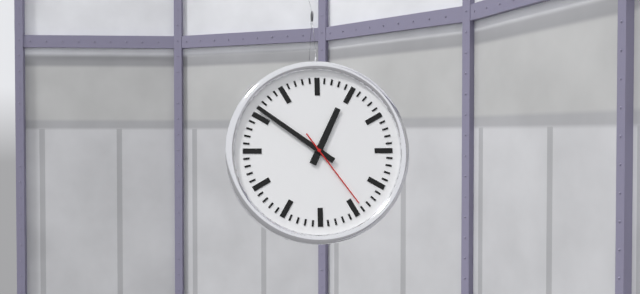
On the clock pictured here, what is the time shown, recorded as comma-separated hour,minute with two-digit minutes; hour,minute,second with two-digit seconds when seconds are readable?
12,51,24
